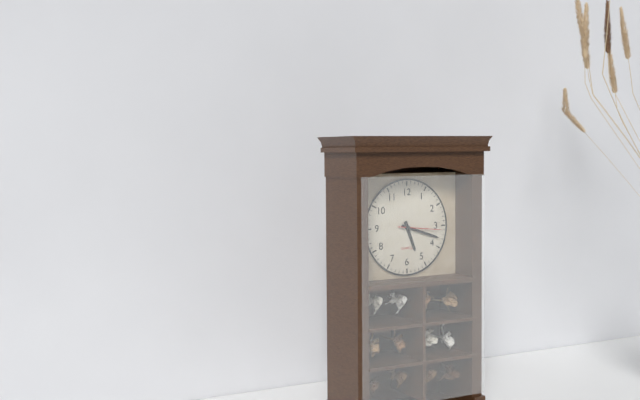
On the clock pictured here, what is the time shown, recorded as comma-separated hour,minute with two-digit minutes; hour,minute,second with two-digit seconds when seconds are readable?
5,18
